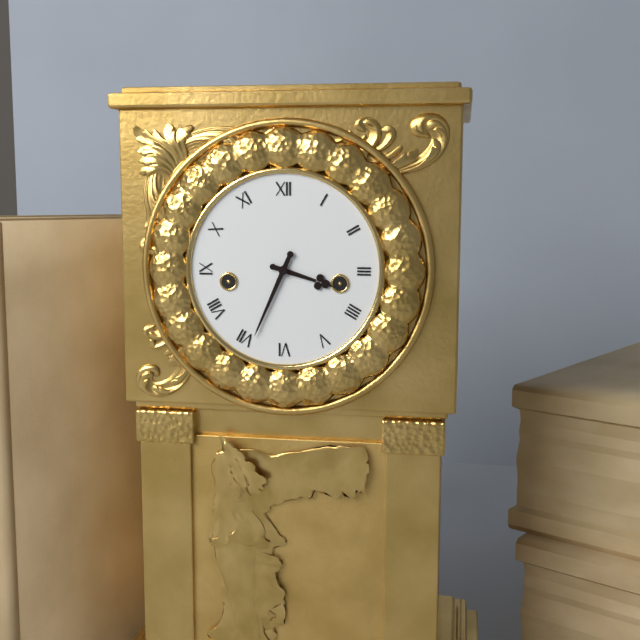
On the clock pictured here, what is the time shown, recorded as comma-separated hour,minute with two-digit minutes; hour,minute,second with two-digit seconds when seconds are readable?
3,34
